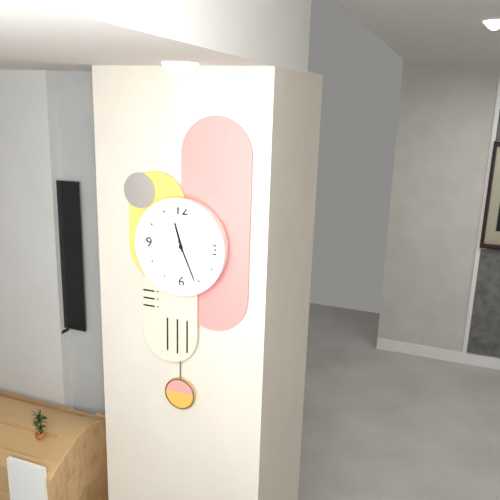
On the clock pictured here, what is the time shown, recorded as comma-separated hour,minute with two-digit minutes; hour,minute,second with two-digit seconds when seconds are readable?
11,26
